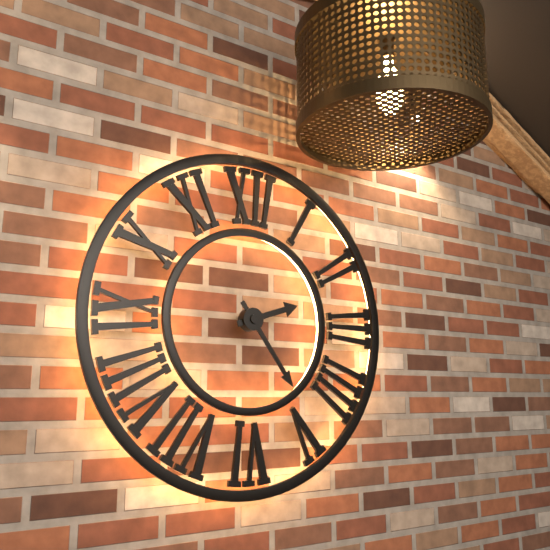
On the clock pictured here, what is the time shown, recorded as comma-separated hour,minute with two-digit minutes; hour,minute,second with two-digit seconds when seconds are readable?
2,24
